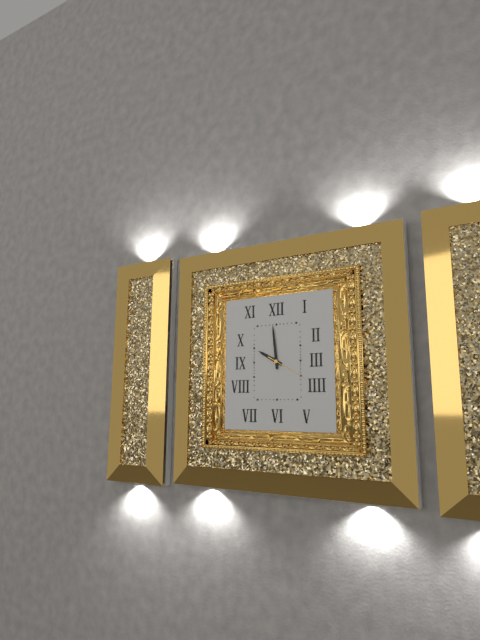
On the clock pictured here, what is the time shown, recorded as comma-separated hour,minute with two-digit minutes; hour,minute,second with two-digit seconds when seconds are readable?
9,59
